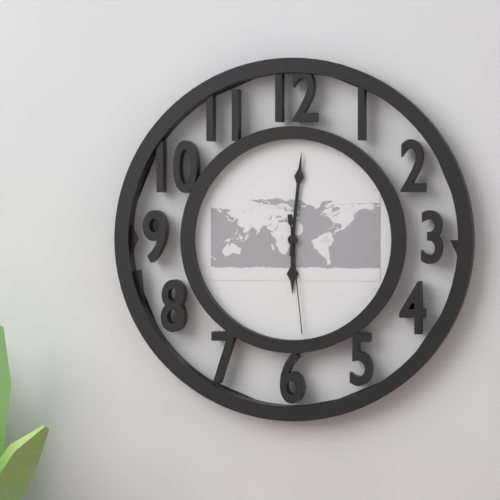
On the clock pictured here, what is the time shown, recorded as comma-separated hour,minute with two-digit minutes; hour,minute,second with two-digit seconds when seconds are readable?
6,01,29
